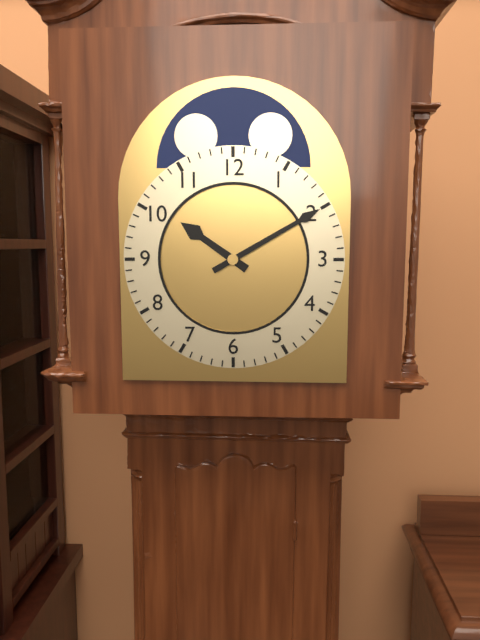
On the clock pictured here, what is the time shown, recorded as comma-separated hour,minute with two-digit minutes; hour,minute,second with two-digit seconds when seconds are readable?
10,10
